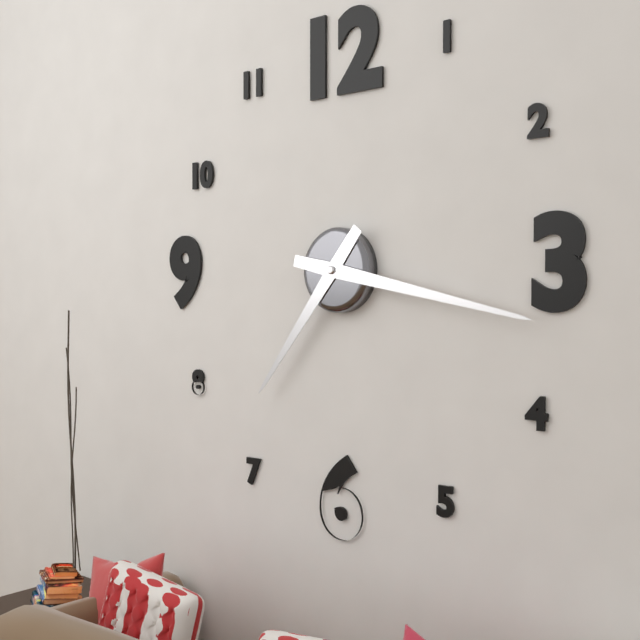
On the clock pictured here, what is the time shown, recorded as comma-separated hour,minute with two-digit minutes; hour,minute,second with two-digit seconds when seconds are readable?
7,17
